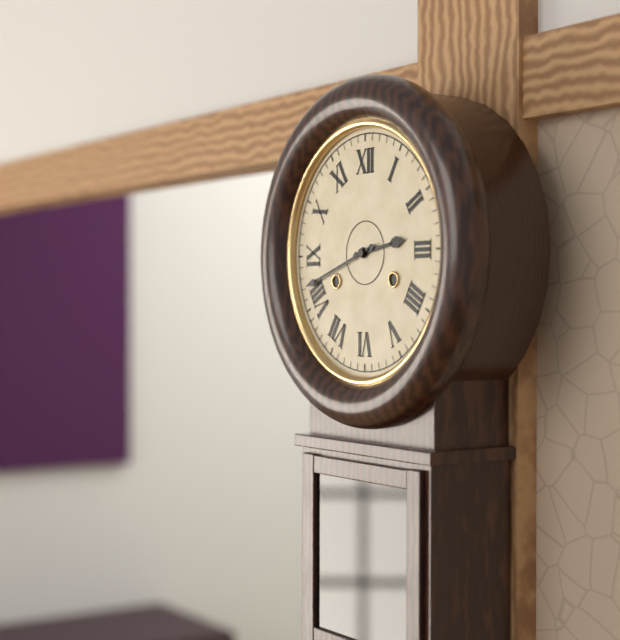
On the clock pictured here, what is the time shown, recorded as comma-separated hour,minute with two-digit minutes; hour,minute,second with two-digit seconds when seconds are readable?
2,42
